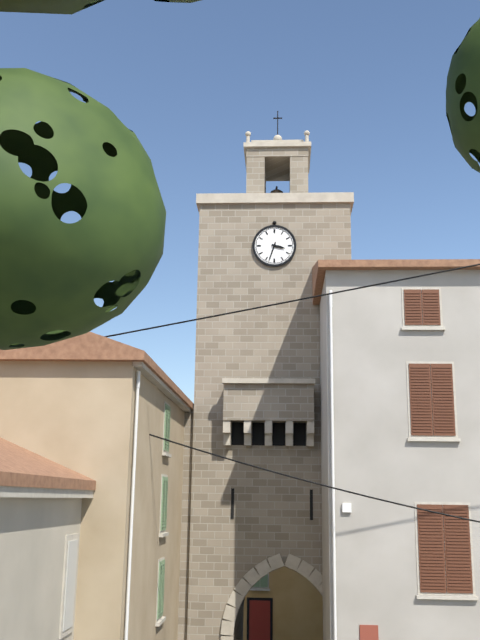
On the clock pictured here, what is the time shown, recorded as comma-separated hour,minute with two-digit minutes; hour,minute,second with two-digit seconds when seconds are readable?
3,33
